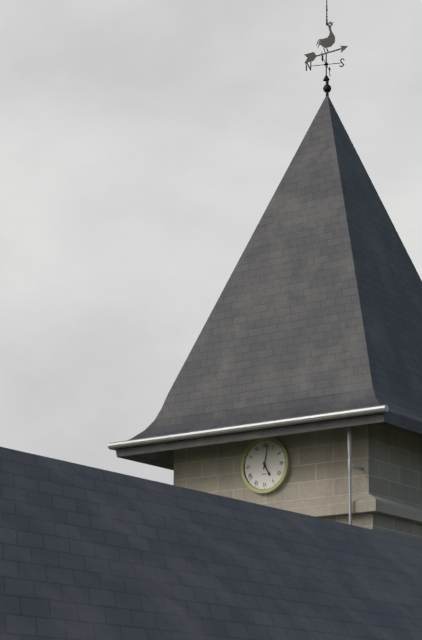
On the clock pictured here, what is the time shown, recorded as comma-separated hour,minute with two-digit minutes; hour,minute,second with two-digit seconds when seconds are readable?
5,02
